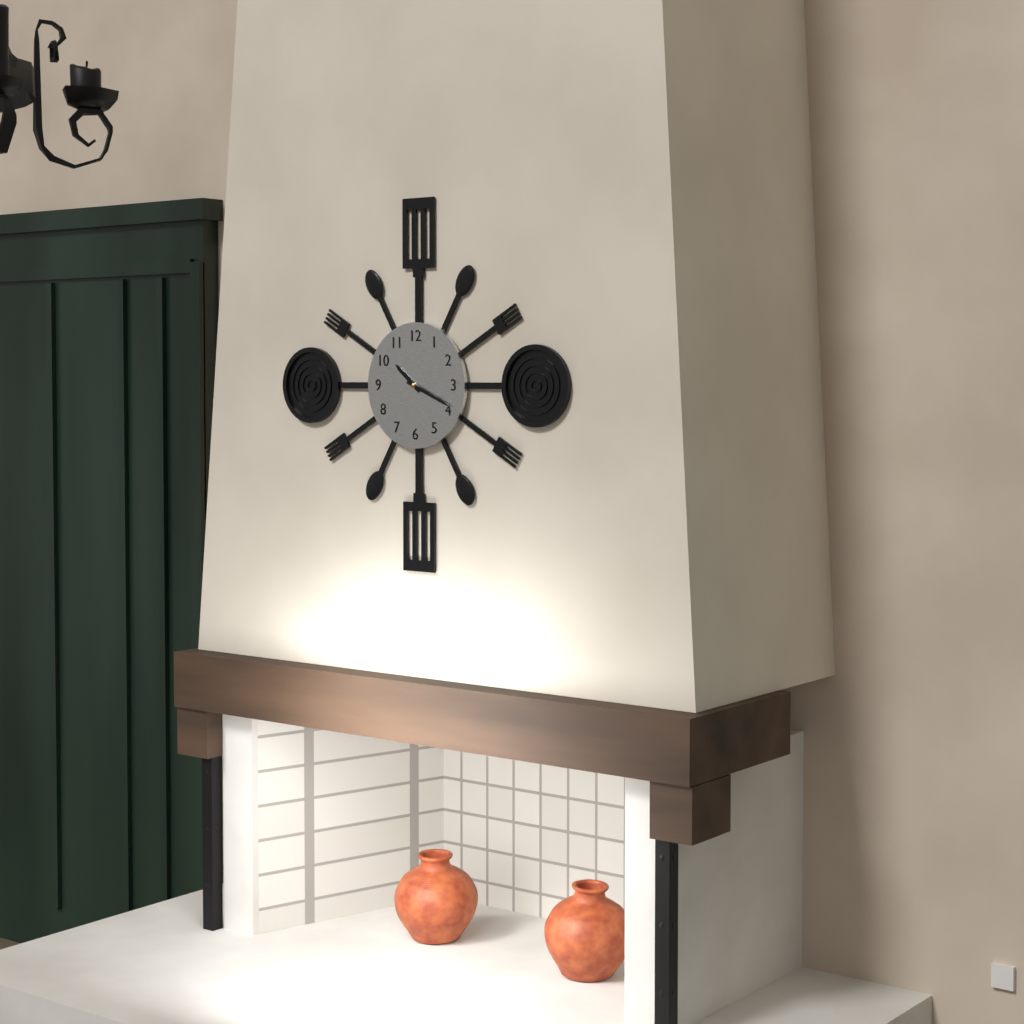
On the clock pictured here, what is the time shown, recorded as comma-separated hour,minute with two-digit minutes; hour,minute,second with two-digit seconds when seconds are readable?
10,19
